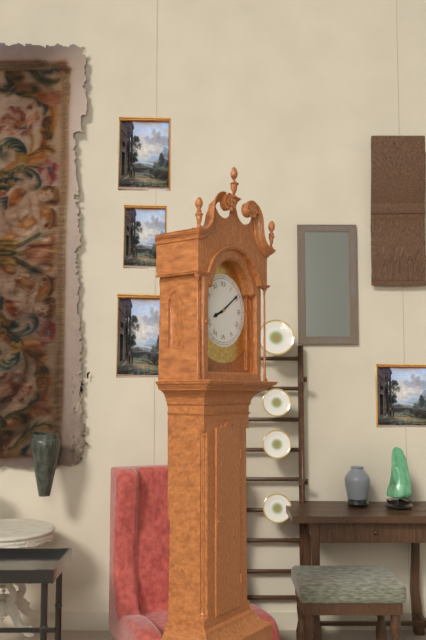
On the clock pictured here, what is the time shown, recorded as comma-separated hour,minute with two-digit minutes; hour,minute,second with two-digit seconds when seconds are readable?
8,09
